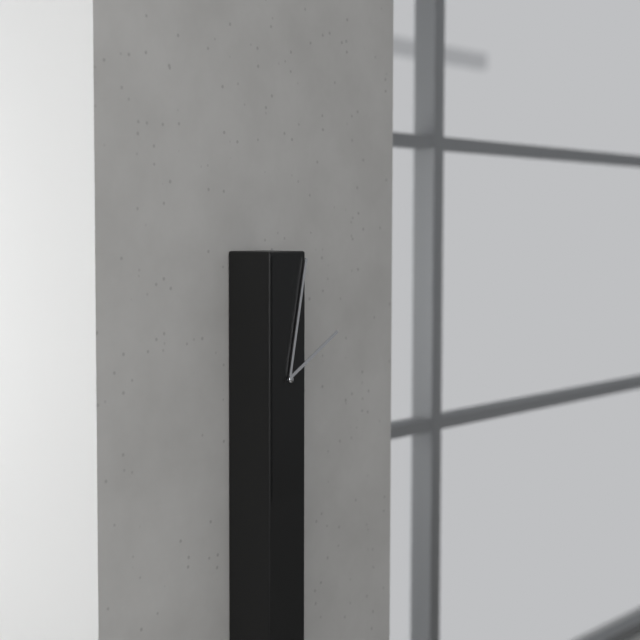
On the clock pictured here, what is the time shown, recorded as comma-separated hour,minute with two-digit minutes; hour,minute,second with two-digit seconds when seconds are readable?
2,02
